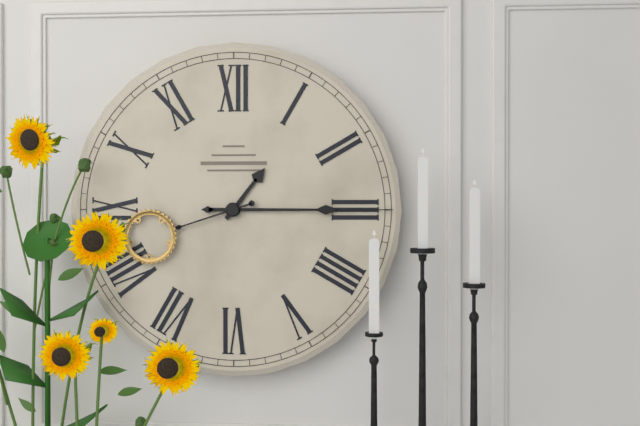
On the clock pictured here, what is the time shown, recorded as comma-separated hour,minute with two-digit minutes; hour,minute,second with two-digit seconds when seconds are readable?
1,15,42
